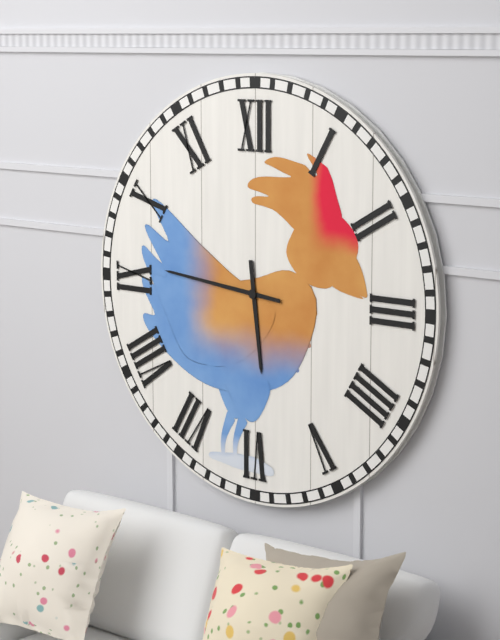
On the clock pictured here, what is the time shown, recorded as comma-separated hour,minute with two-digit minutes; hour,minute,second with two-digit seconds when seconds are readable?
5,46
